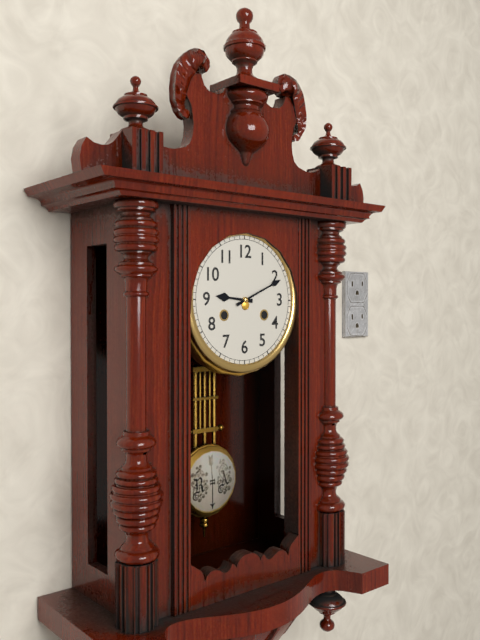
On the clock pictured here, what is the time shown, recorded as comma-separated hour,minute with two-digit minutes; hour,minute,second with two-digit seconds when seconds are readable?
9,11
